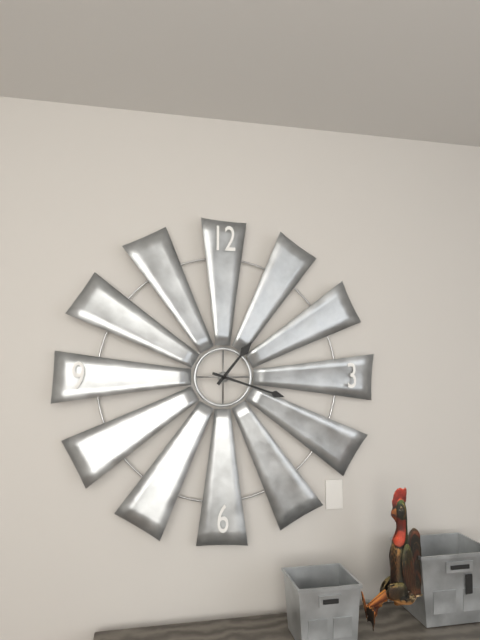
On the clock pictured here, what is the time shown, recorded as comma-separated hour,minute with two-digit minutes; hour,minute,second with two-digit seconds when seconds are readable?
1,18
